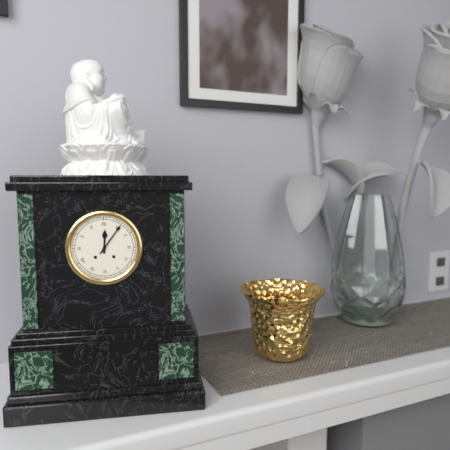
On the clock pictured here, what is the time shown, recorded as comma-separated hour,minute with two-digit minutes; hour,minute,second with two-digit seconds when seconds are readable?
12,06
